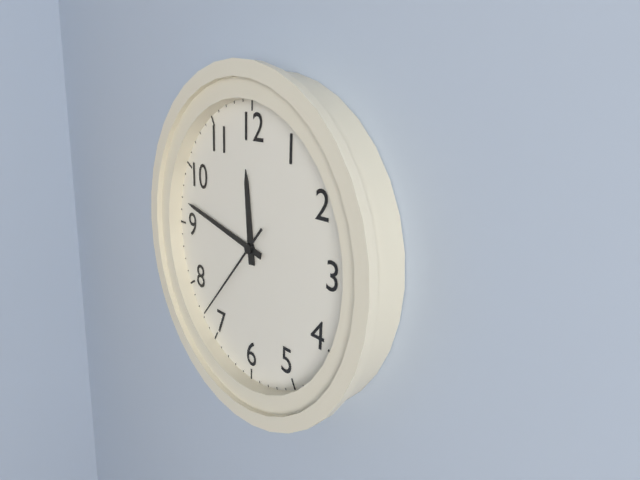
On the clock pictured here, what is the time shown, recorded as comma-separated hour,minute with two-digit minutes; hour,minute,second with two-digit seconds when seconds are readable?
11,47,37
